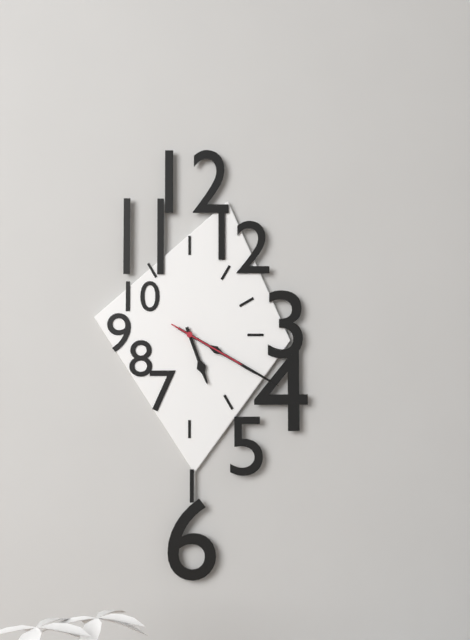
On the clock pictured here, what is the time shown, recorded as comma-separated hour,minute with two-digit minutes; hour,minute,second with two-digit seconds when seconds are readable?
5,20,20
